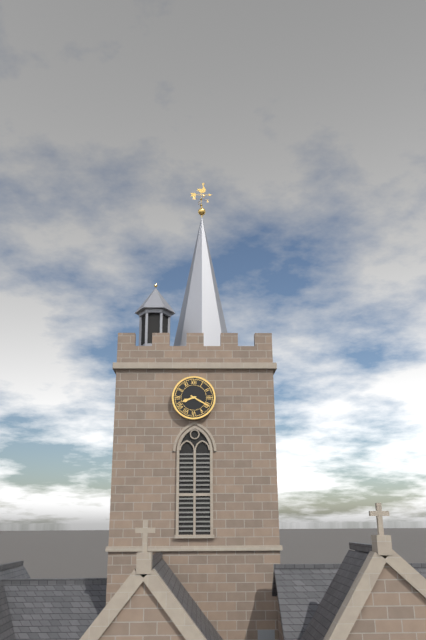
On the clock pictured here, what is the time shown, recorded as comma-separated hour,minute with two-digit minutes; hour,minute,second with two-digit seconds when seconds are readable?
8,20
